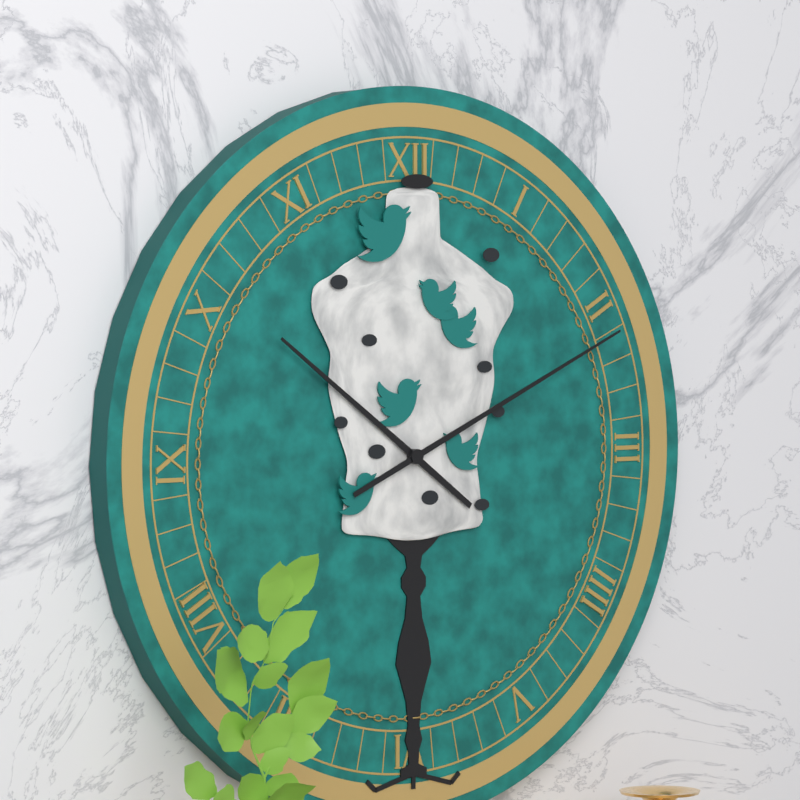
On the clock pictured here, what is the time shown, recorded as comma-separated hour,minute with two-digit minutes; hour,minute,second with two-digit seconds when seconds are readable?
10,11
